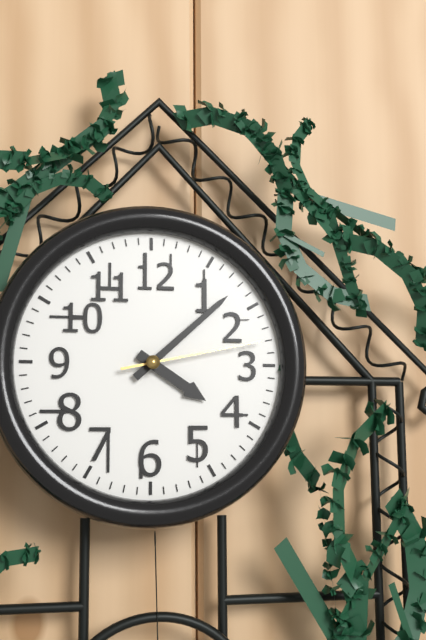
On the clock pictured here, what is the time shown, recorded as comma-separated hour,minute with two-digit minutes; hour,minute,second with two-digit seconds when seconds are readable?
4,08,13
